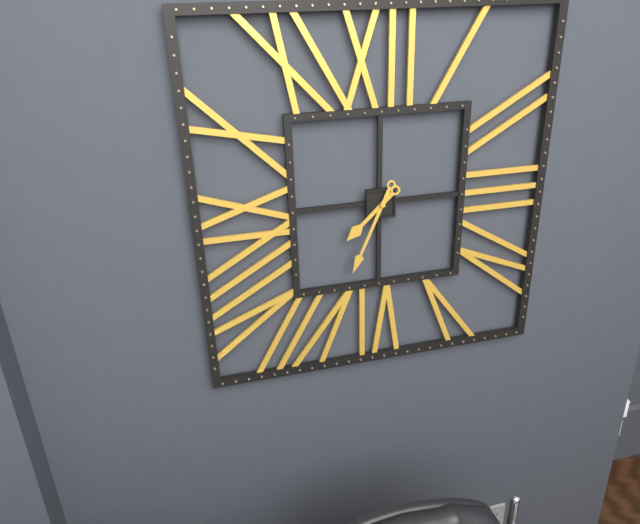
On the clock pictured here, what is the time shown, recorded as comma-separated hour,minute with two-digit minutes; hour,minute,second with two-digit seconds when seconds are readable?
7,34
